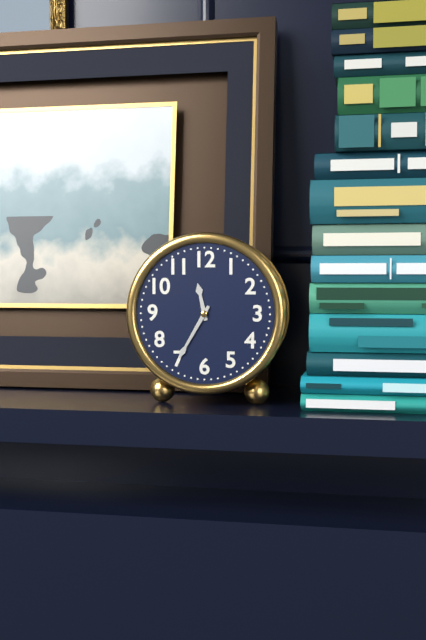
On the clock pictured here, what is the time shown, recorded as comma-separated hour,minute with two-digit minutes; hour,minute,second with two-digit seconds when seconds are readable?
11,35
